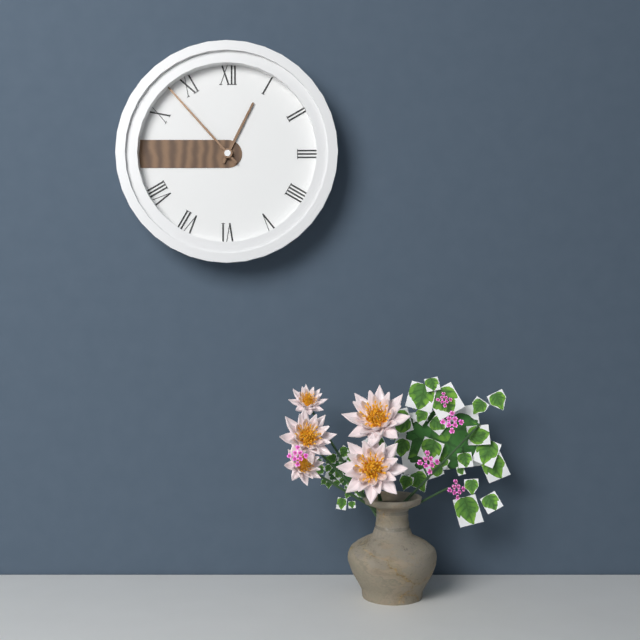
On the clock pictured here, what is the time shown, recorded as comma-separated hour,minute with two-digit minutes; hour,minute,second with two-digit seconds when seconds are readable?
12,53
